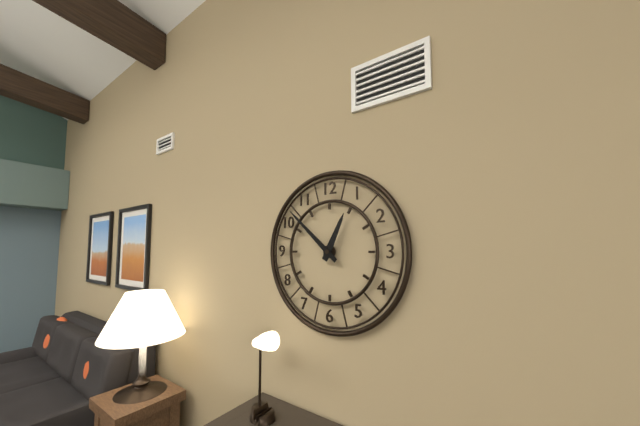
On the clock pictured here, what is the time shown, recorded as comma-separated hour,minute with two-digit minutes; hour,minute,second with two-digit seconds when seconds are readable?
12,52
